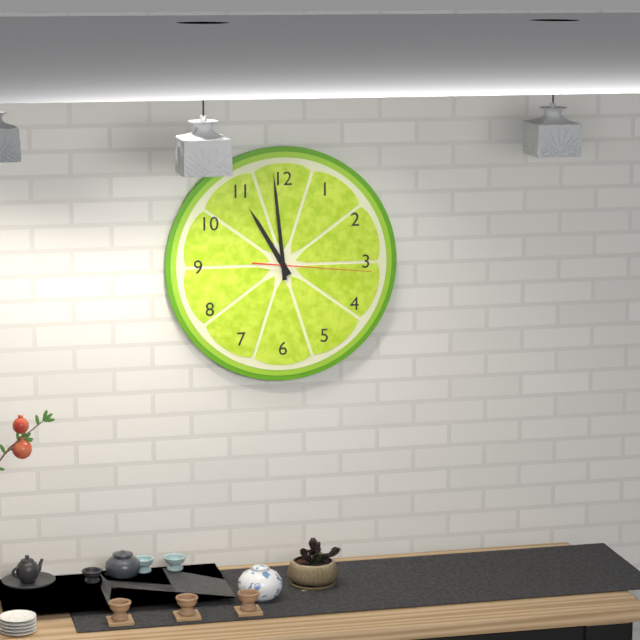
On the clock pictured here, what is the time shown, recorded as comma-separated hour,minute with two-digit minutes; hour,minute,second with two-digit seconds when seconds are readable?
10,59,16
